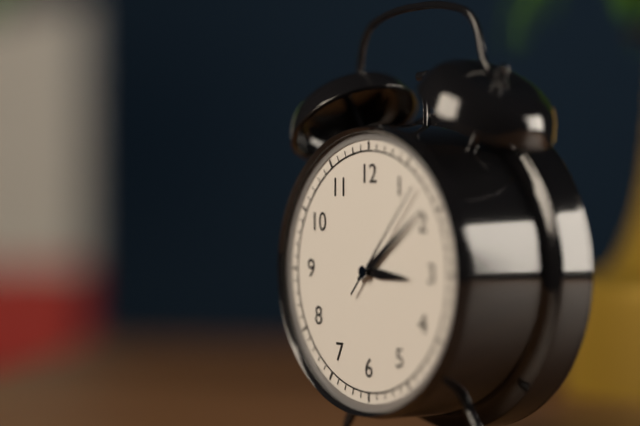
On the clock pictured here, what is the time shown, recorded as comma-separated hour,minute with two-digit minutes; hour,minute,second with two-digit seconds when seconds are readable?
3,09,07
